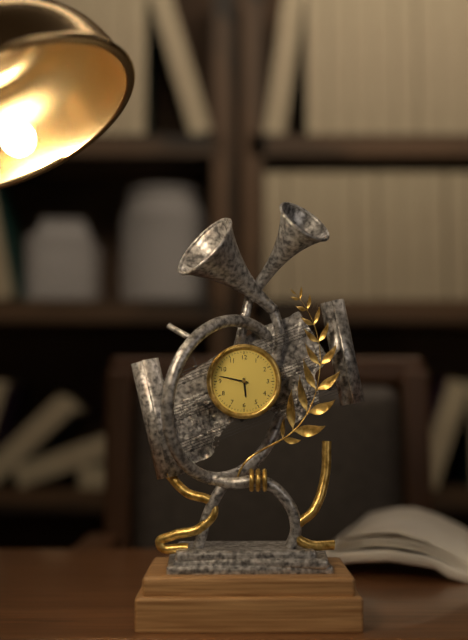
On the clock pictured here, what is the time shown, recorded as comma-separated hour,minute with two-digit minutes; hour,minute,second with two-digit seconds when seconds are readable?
5,47
